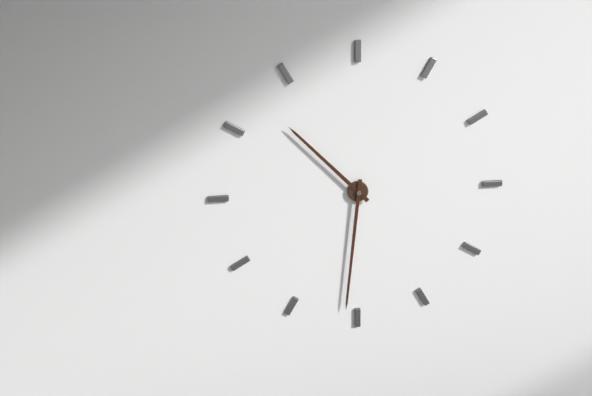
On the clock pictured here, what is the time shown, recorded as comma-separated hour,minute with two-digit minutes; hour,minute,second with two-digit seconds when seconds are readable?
10,31
